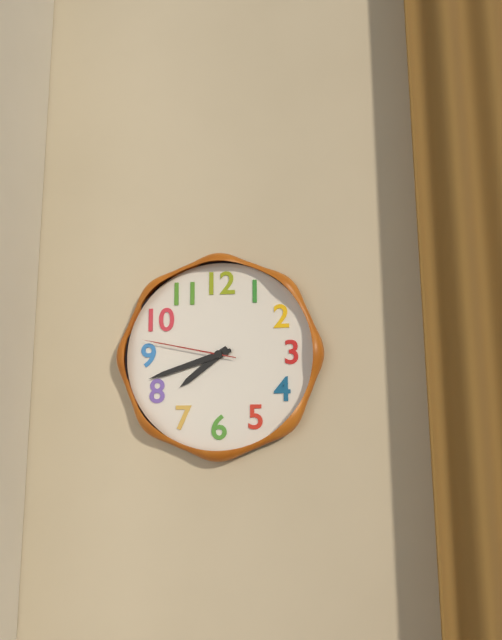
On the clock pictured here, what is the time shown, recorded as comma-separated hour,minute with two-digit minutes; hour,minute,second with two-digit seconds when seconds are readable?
7,42,47
